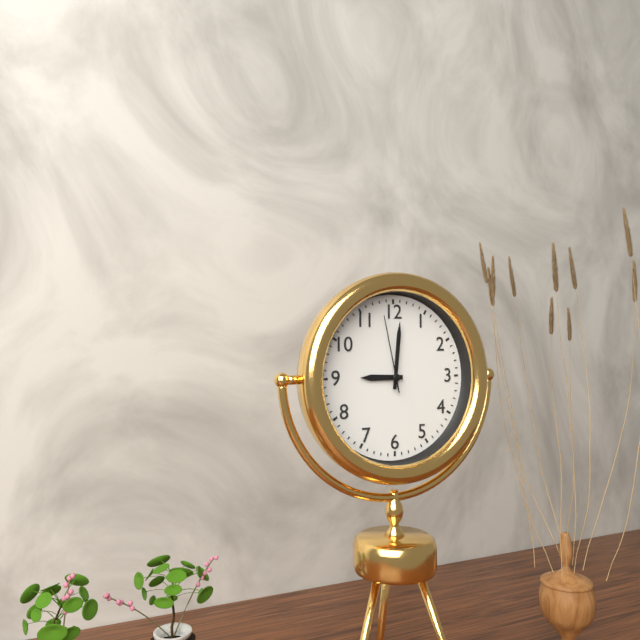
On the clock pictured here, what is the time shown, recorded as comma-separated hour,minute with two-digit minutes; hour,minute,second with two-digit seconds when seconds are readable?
9,01,58
